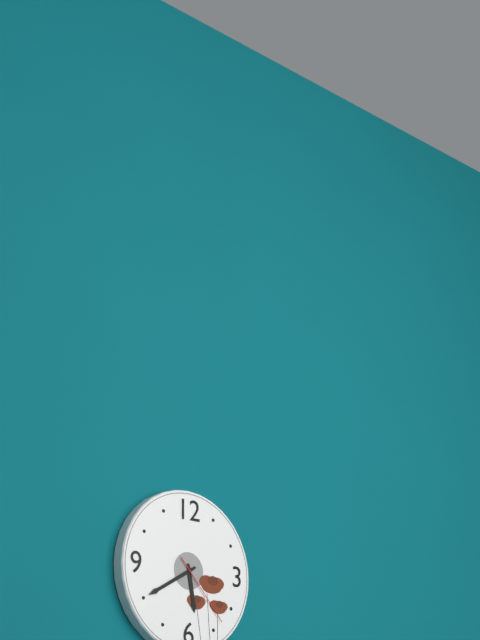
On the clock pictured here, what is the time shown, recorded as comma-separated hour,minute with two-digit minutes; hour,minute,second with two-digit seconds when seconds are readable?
5,40,23
